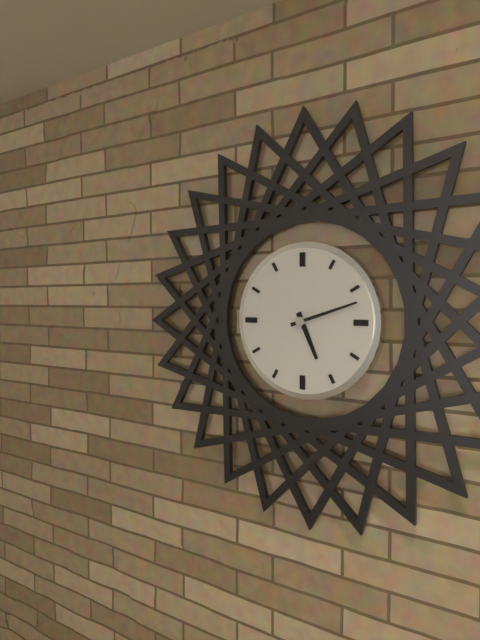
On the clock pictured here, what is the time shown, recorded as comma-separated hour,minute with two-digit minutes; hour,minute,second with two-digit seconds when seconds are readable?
5,12
